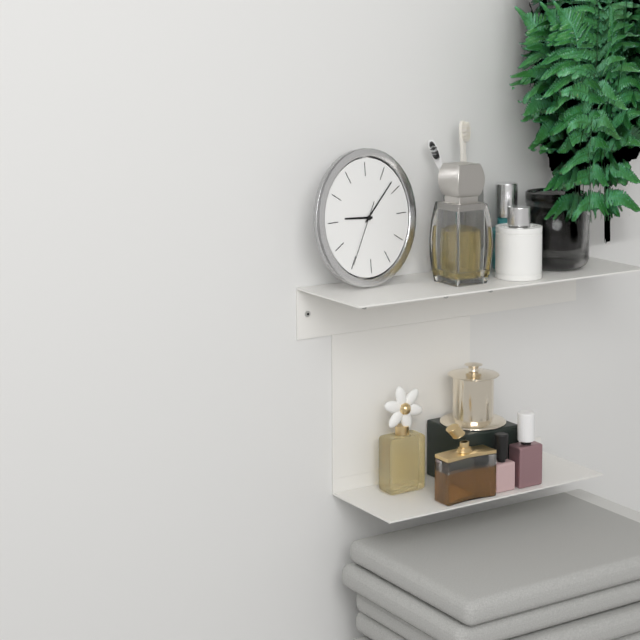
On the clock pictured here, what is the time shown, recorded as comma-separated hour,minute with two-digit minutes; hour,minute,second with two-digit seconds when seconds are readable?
9,08,35
